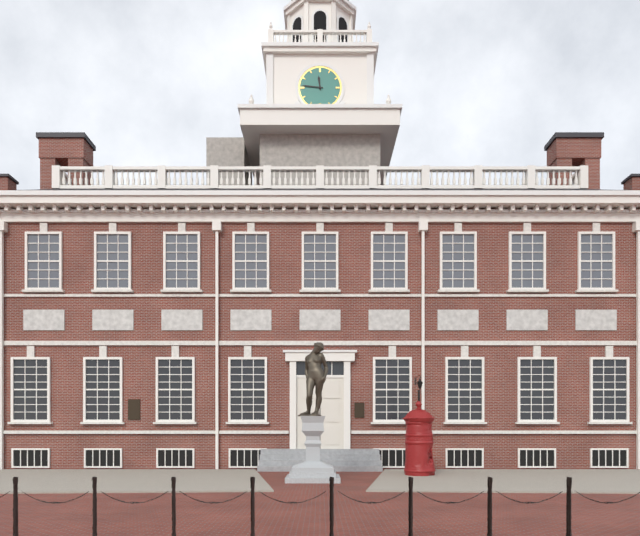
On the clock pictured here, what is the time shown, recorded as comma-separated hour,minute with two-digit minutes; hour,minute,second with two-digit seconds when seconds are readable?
11,46
